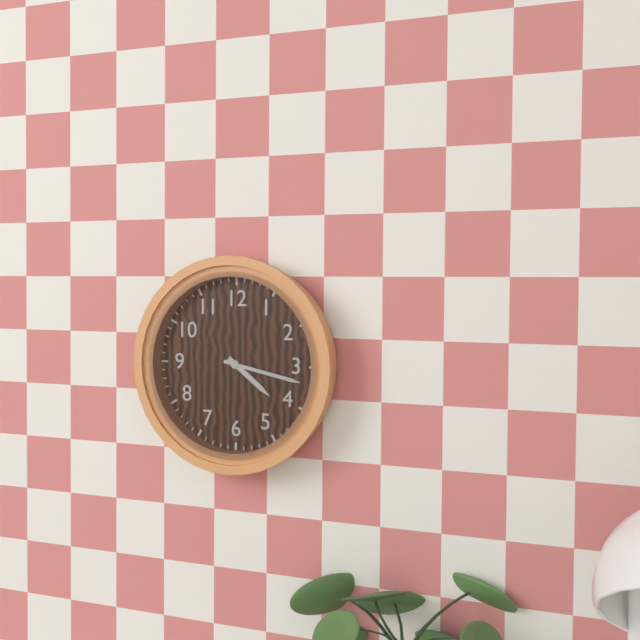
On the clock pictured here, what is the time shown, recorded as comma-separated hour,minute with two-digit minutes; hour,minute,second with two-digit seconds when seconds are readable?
4,17
